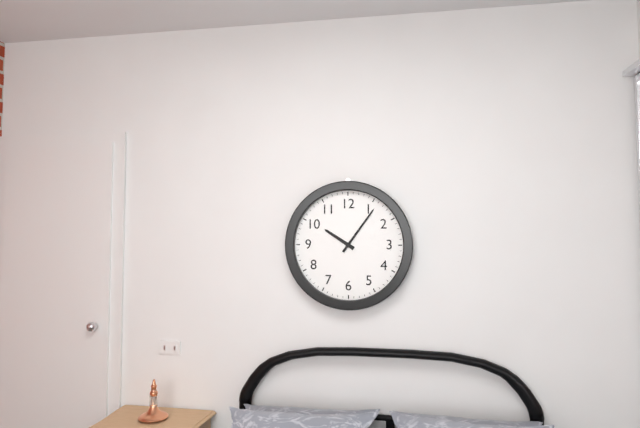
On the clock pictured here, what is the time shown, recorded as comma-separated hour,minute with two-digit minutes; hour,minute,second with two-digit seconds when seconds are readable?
10,06
